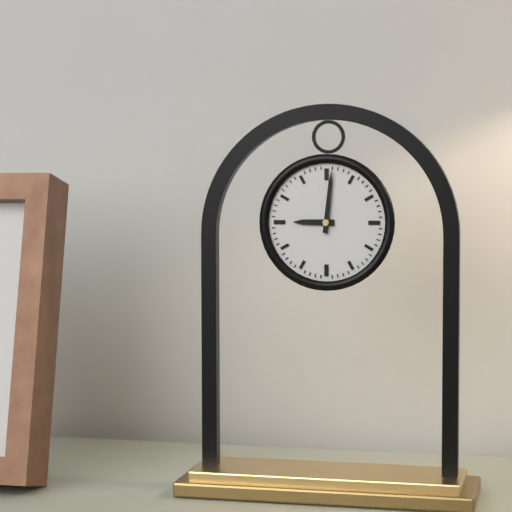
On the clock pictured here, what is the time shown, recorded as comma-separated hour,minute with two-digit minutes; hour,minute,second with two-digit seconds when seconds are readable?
9,01
